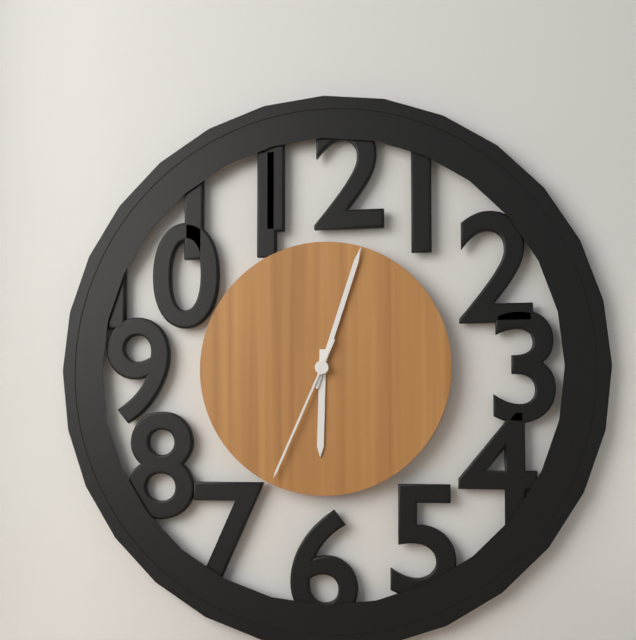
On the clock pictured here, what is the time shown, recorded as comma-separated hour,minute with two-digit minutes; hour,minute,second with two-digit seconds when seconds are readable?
6,03,34
